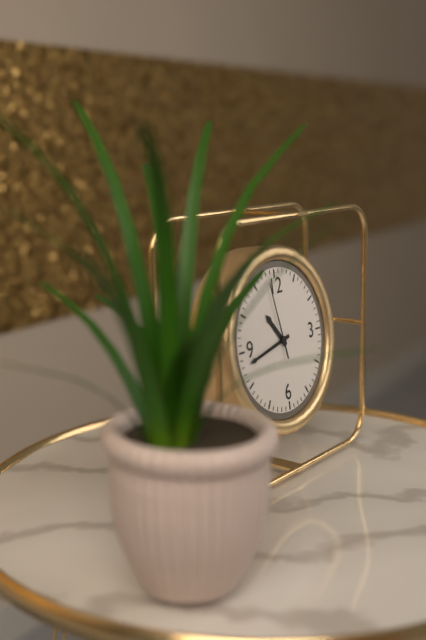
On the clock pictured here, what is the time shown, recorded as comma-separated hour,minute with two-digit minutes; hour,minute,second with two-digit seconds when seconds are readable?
10,43,58
